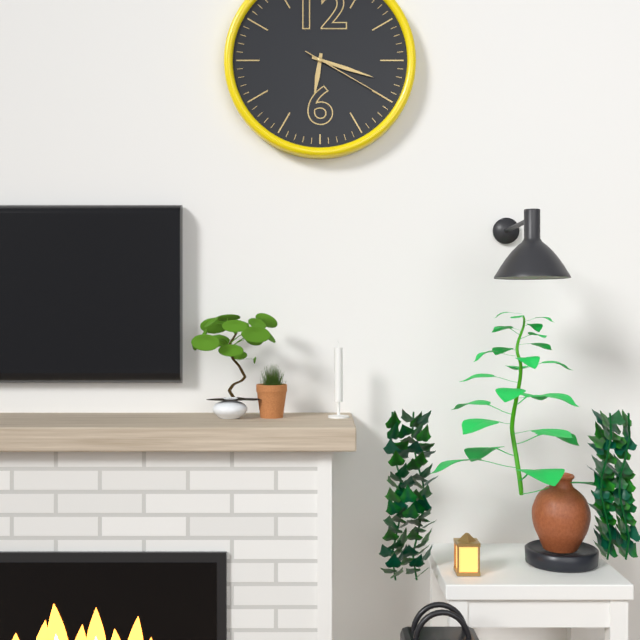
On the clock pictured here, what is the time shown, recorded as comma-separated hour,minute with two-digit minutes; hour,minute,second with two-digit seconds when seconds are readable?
6,18,20
